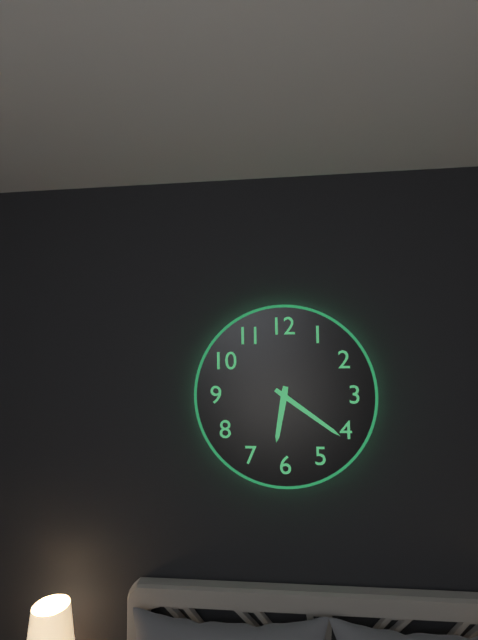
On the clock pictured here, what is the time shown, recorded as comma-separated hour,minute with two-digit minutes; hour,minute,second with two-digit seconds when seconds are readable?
6,21
